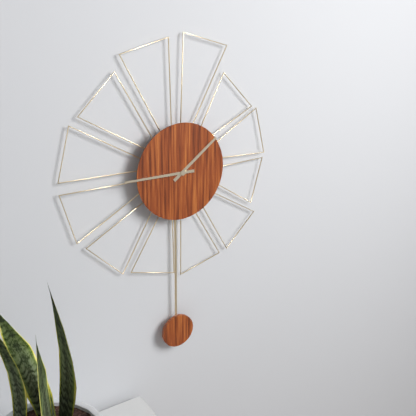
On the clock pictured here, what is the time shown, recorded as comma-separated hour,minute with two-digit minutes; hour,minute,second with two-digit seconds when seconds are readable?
1,45
